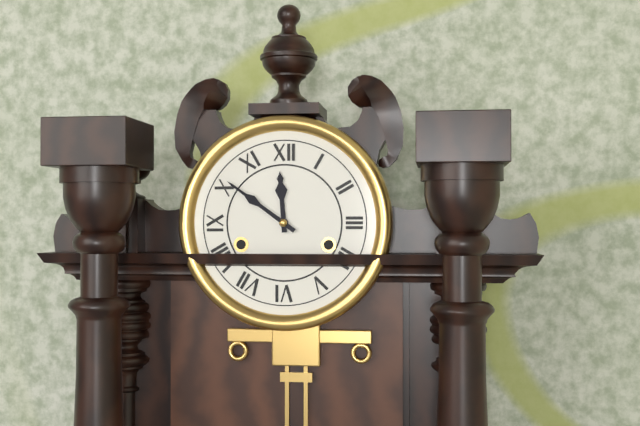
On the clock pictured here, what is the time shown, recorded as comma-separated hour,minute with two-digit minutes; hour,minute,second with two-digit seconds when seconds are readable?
11,51
